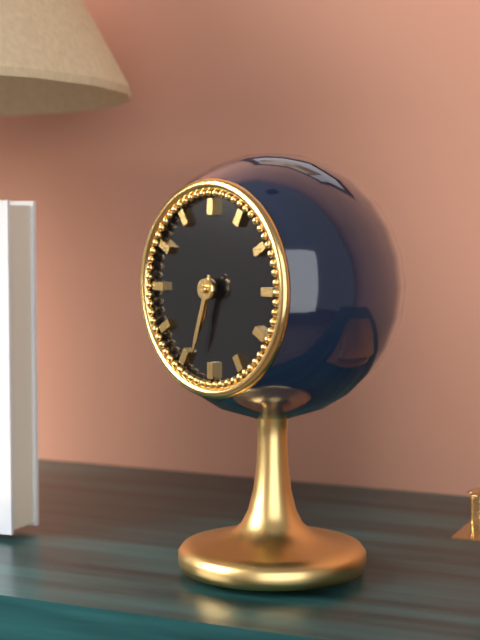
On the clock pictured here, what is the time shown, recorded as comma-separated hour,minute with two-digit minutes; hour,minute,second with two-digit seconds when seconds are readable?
6,33
